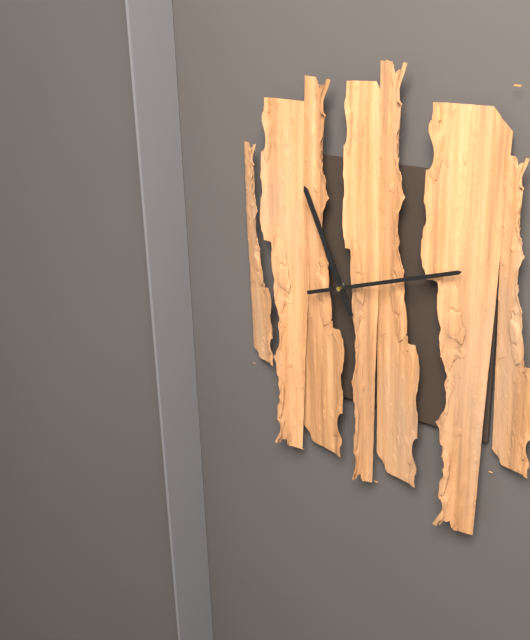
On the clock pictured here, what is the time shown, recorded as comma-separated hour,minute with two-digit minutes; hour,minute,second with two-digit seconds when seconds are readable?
11,12
